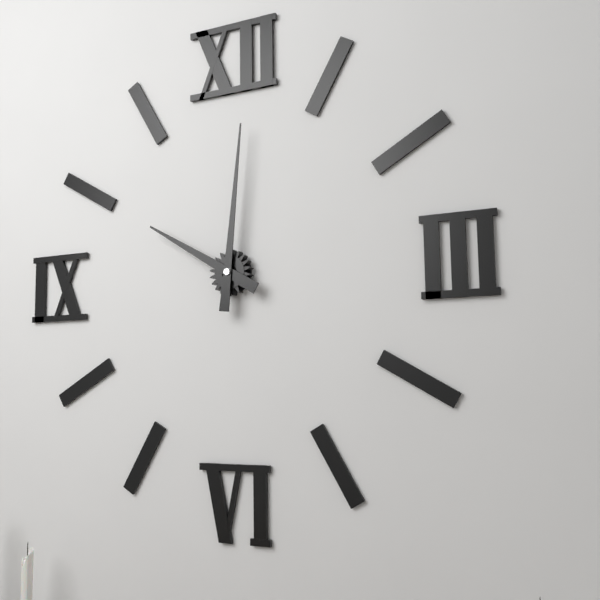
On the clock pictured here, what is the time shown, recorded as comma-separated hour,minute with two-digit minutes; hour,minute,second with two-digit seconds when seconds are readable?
10,01
